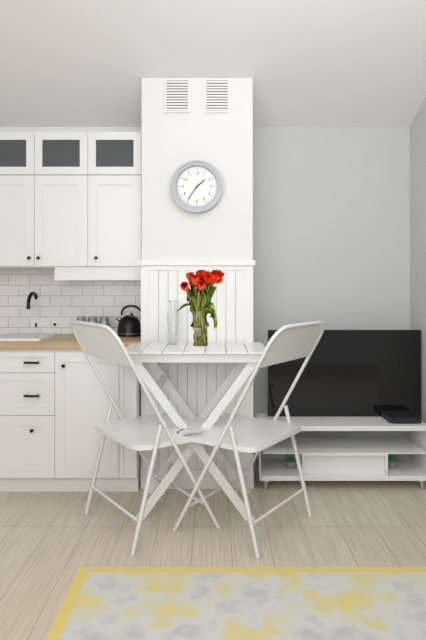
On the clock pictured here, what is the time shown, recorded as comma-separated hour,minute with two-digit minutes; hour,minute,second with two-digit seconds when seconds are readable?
1,36
